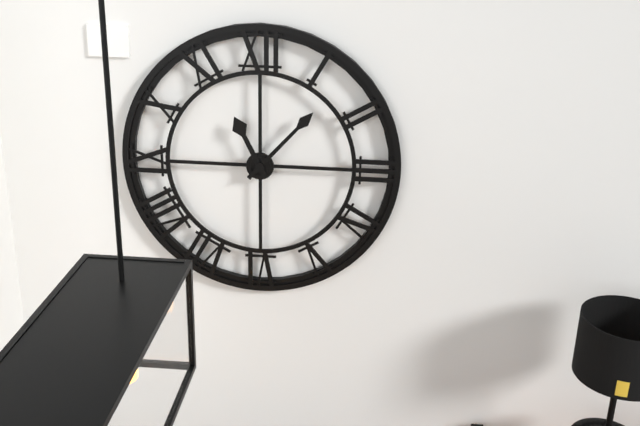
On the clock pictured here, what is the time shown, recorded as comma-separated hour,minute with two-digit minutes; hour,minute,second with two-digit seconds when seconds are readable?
11,07
